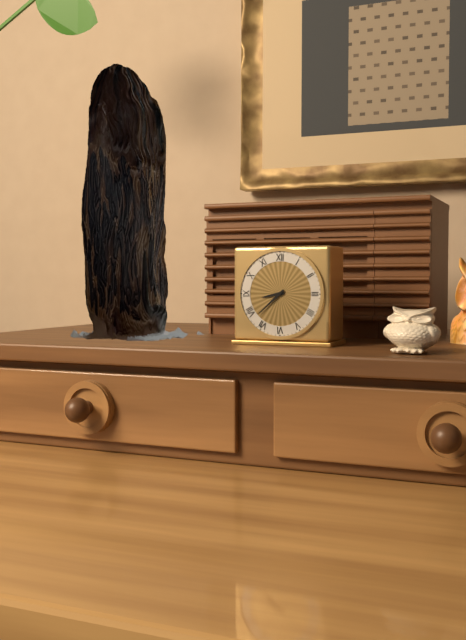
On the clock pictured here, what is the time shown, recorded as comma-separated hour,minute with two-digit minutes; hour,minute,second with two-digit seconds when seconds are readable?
8,38
